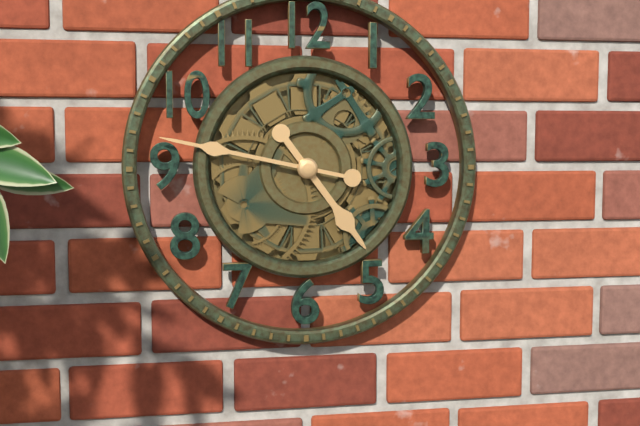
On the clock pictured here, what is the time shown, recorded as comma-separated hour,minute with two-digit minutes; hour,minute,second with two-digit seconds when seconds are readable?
4,47
